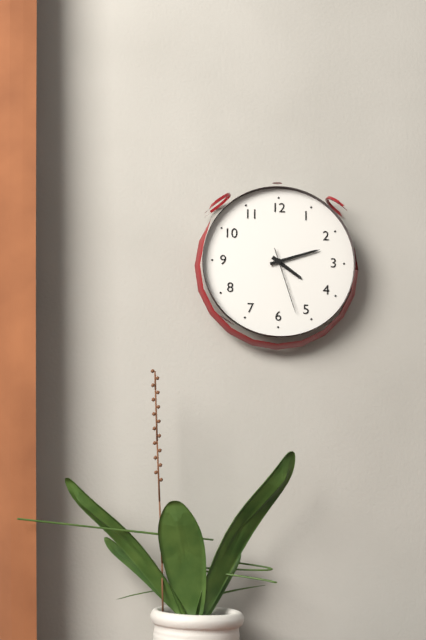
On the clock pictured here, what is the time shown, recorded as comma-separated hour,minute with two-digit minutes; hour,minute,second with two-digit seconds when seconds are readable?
4,12,27
